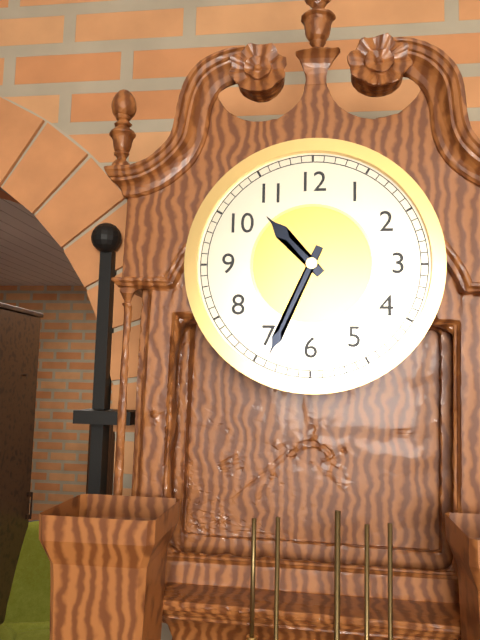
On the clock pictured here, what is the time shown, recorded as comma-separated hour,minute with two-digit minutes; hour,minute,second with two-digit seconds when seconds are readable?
10,34
